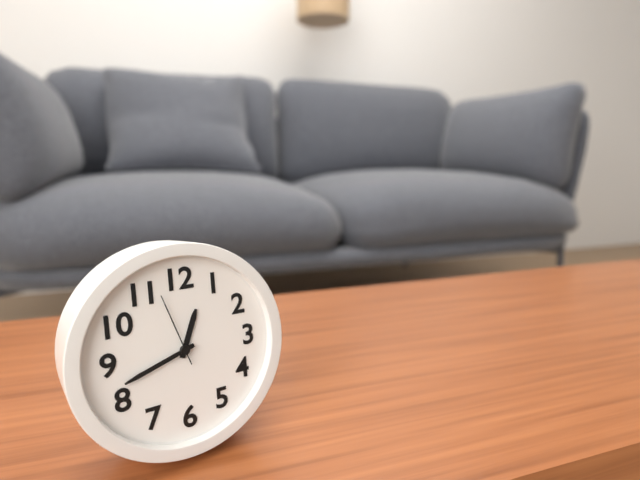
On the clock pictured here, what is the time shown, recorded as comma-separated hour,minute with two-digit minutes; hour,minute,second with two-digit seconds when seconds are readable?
12,42,57
